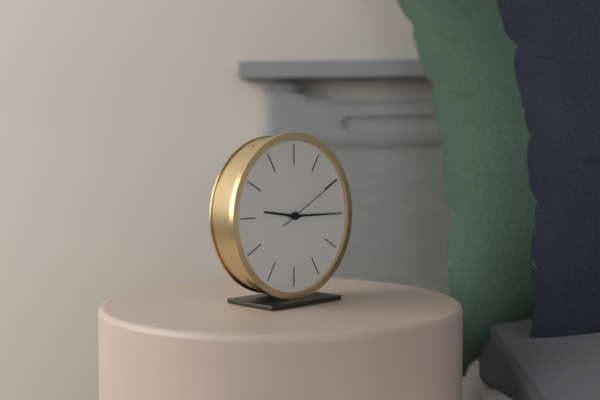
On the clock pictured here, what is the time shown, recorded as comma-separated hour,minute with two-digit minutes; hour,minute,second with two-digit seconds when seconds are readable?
9,15,10
